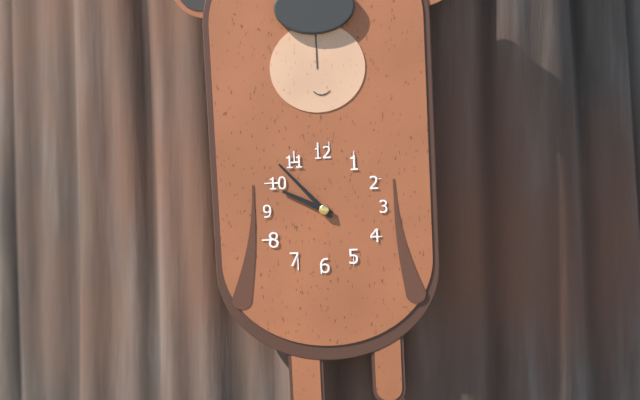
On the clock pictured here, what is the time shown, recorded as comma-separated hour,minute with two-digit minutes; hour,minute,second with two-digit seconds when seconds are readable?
9,53
